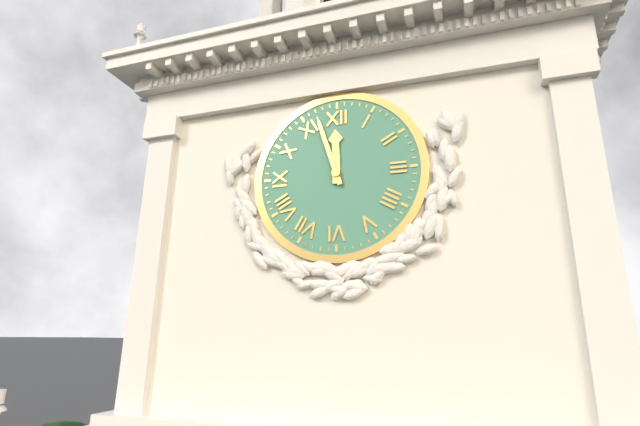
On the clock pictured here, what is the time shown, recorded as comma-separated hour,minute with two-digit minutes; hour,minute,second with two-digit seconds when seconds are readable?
11,57
